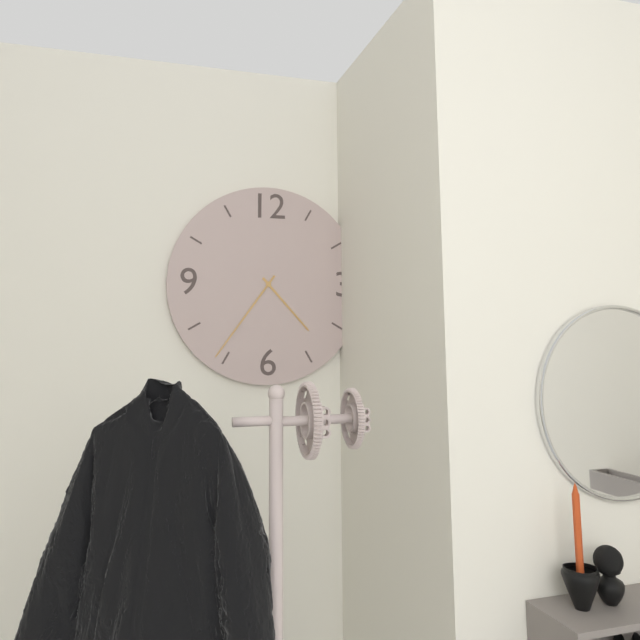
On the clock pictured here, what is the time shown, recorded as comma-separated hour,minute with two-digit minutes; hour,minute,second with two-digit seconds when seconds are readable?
4,36
